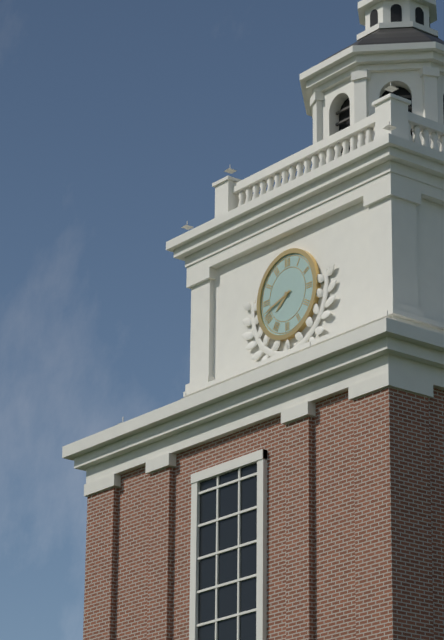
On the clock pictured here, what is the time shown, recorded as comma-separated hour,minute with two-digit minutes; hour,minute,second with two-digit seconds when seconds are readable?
7,42
